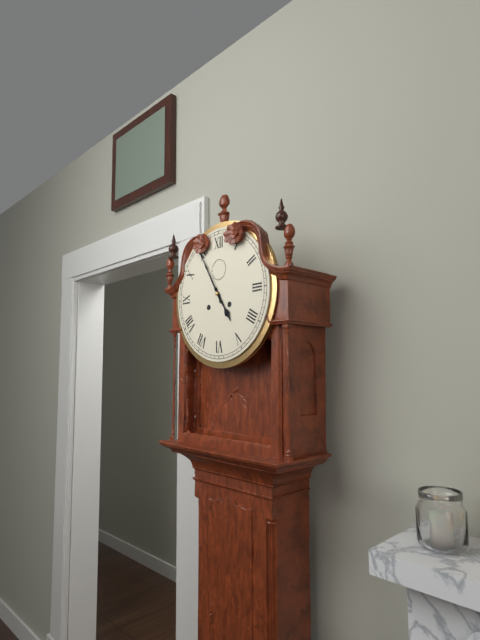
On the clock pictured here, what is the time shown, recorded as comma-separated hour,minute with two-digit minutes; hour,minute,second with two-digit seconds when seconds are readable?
4,55
